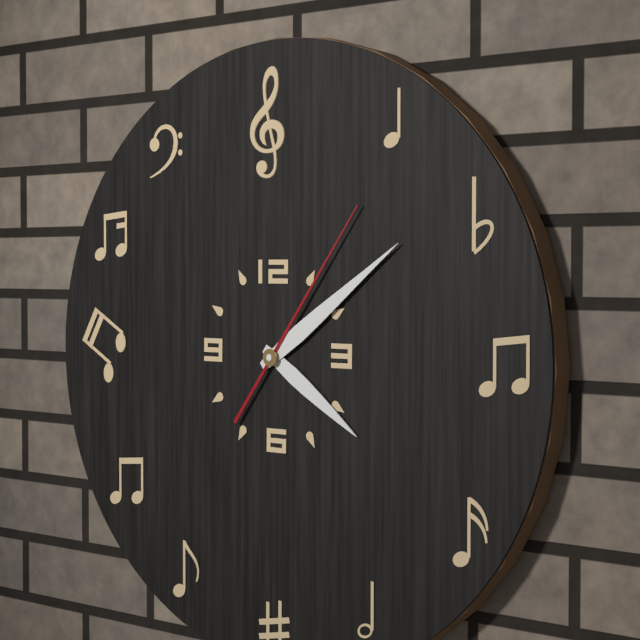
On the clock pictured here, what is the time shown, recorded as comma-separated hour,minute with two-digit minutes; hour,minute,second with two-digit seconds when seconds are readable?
4,09,06
